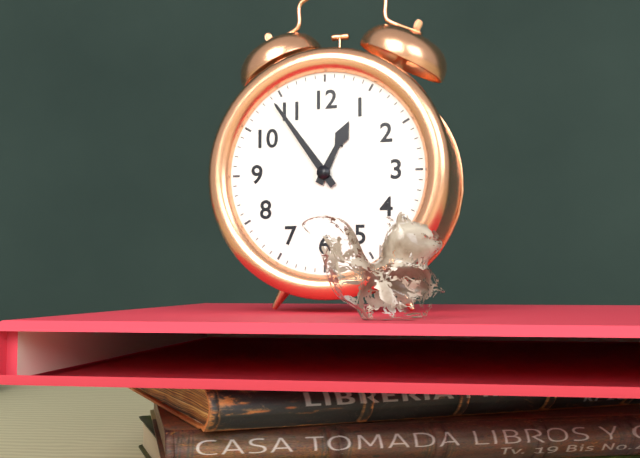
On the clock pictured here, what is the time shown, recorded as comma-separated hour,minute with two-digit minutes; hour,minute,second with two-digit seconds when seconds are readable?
12,54
